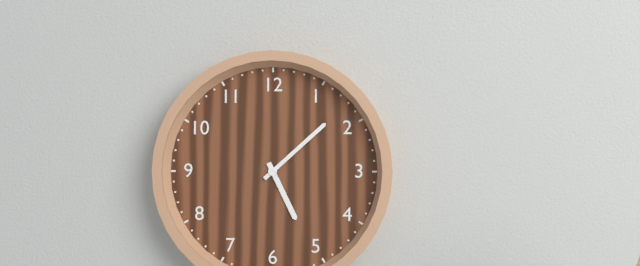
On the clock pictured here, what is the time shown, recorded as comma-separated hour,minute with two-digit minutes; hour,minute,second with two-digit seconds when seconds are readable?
5,08
